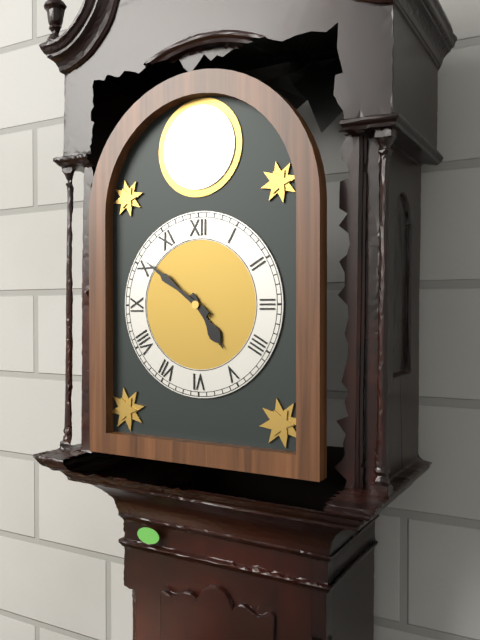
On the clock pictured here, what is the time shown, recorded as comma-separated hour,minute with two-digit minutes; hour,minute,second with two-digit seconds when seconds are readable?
4,51
